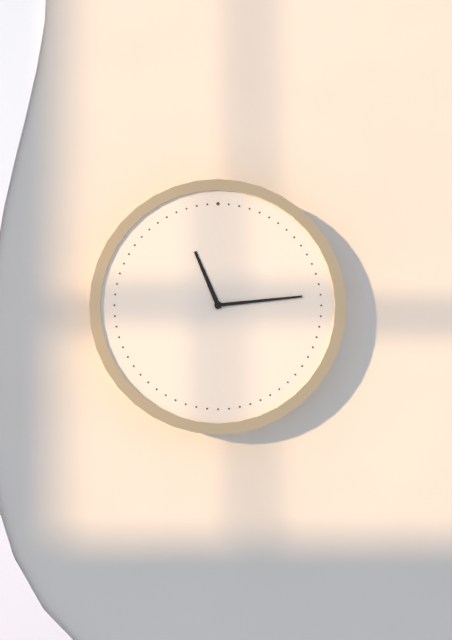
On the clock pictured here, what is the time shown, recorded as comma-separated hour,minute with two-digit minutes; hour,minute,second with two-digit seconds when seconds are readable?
11,14
